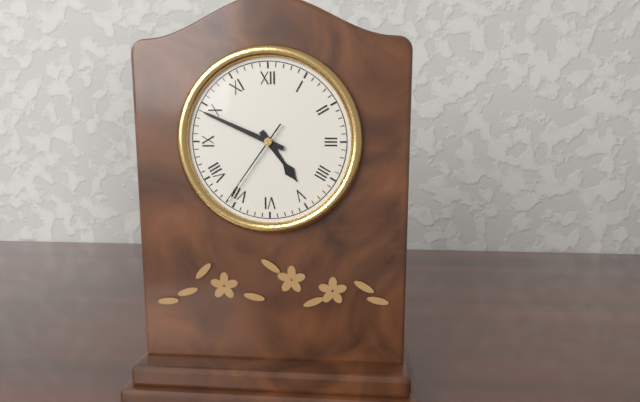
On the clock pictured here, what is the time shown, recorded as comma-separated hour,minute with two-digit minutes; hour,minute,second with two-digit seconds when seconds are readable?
4,49,36
